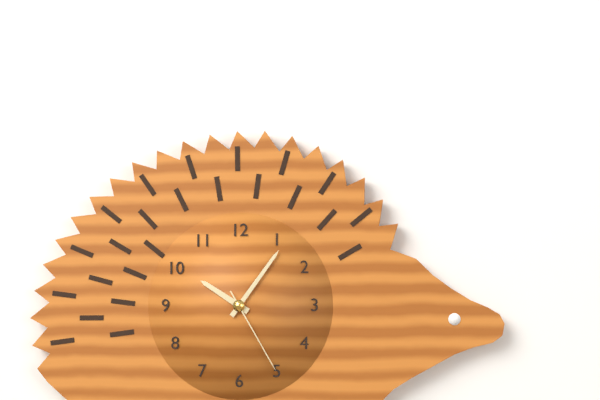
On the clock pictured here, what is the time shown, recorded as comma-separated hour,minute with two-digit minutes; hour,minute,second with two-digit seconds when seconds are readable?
10,06,25
